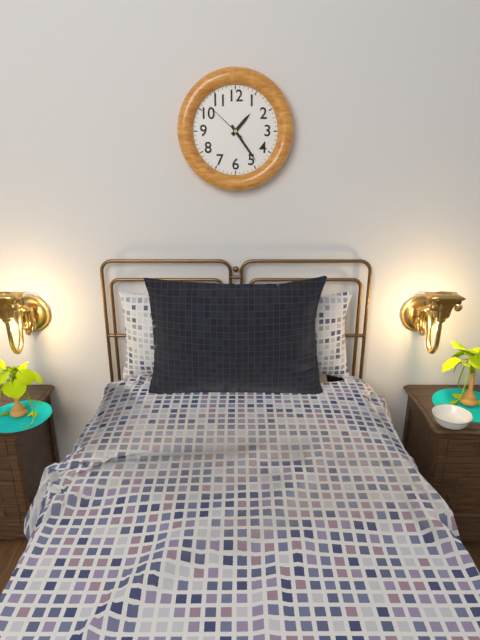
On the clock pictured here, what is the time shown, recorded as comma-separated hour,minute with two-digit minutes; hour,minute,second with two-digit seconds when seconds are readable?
1,24
